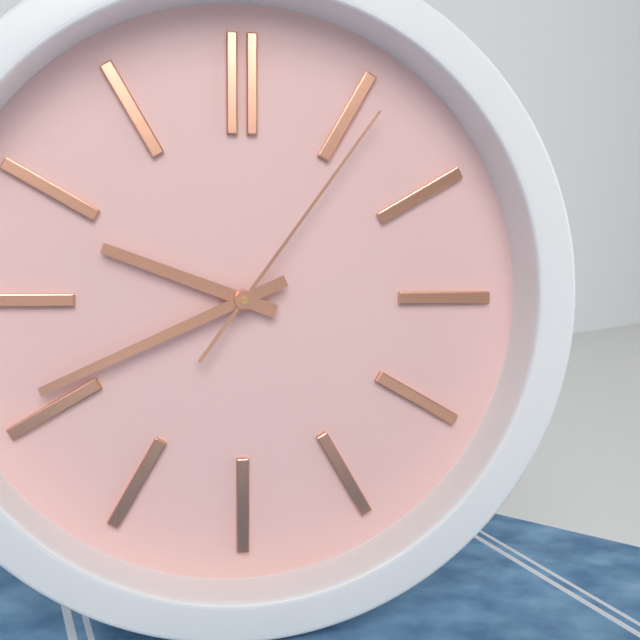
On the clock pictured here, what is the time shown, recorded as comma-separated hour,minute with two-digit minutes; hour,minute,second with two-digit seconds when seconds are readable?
9,41,06
